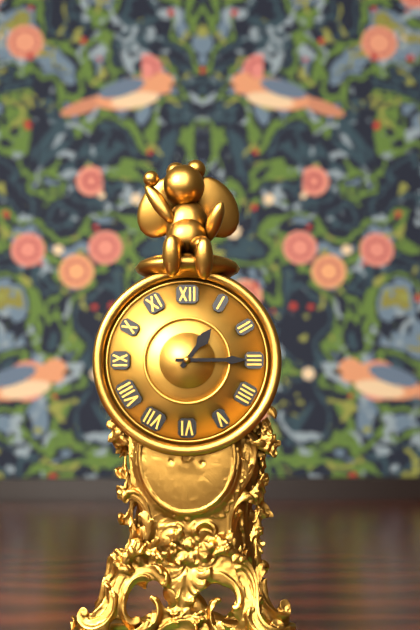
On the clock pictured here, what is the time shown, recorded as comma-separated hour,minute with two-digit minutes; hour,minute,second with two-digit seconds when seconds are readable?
1,15
